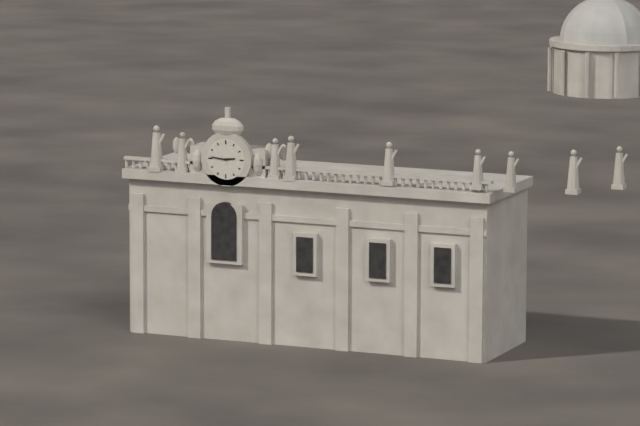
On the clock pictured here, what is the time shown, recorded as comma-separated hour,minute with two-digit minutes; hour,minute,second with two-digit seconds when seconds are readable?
2,46
